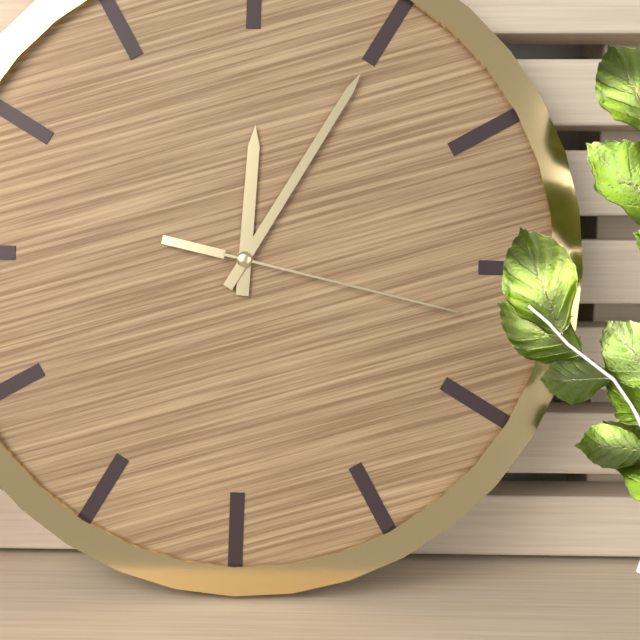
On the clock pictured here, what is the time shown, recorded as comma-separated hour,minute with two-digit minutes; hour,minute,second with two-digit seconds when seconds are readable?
12,05,17
